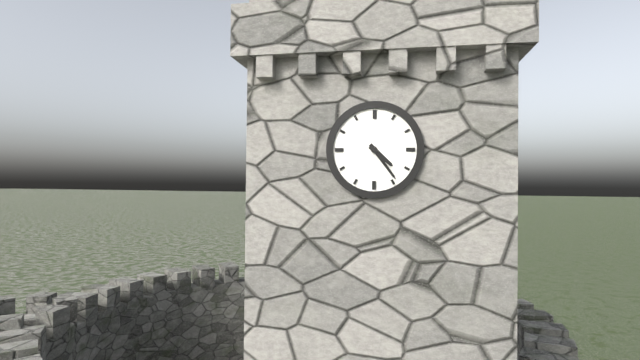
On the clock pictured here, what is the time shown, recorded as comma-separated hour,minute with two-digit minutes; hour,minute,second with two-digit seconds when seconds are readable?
4,24
